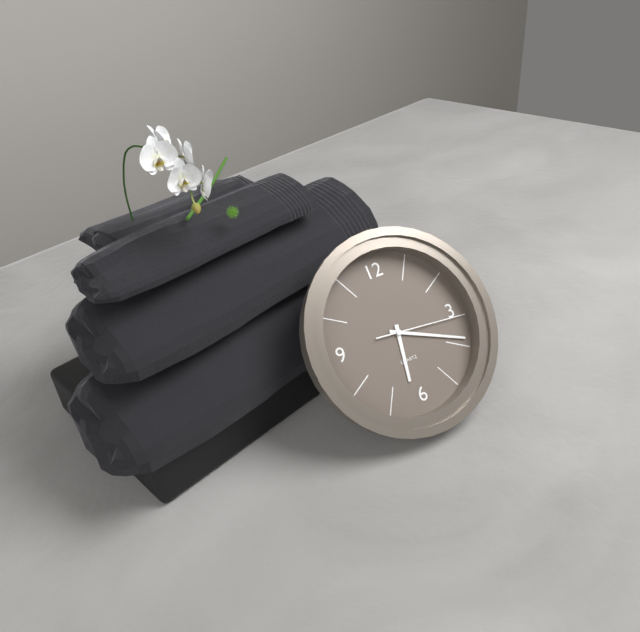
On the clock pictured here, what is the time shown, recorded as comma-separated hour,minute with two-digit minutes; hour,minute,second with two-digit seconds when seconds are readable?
6,19,16
